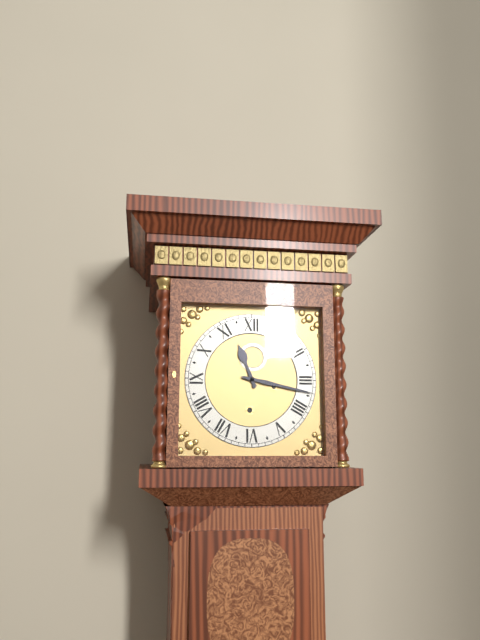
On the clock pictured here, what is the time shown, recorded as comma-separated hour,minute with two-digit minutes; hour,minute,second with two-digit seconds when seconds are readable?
11,17
